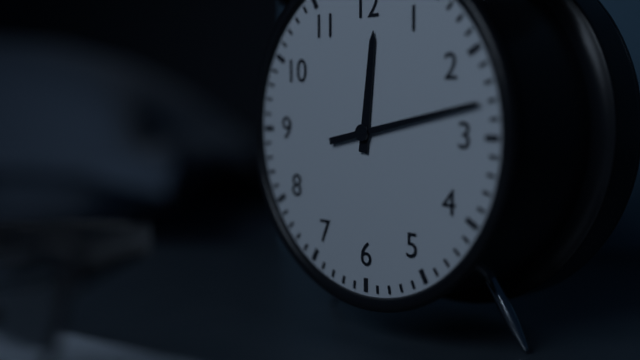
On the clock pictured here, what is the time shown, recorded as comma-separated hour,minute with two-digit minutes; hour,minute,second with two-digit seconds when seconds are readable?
12,13
